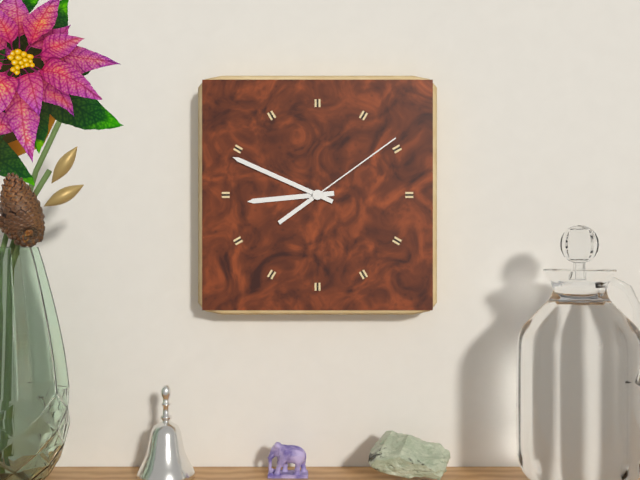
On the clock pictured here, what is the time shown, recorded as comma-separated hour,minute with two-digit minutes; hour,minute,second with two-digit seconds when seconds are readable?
8,49,09
